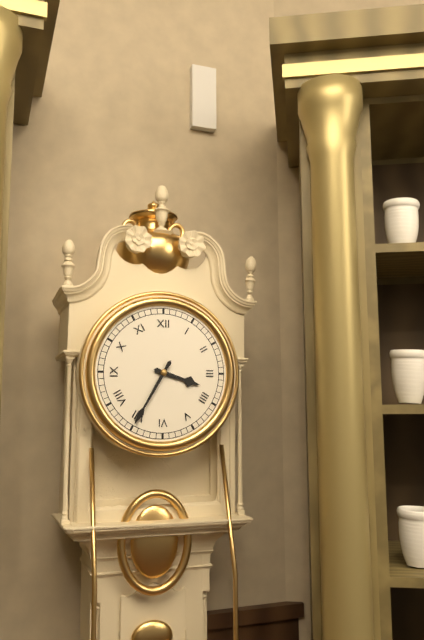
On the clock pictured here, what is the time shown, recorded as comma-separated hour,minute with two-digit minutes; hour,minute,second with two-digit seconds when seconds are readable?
3,35
